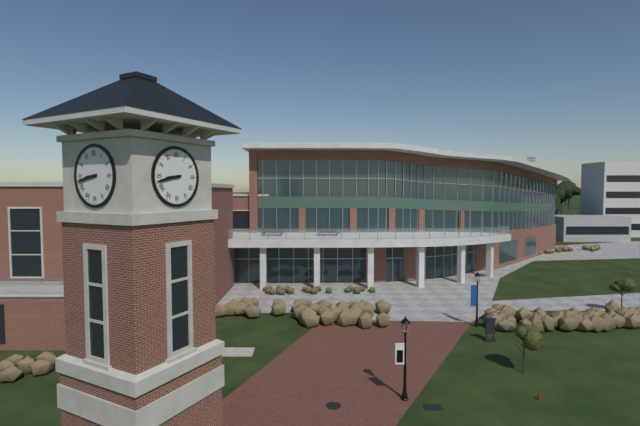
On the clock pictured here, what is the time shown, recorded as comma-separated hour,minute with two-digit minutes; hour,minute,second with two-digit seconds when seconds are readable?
8,43
